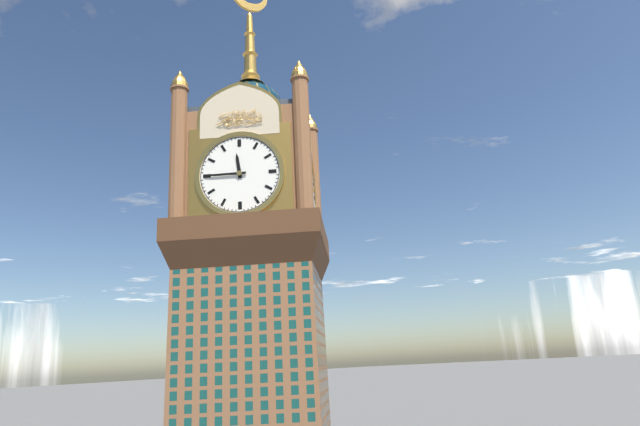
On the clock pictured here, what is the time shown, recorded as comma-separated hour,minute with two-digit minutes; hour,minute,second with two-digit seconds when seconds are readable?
11,45
